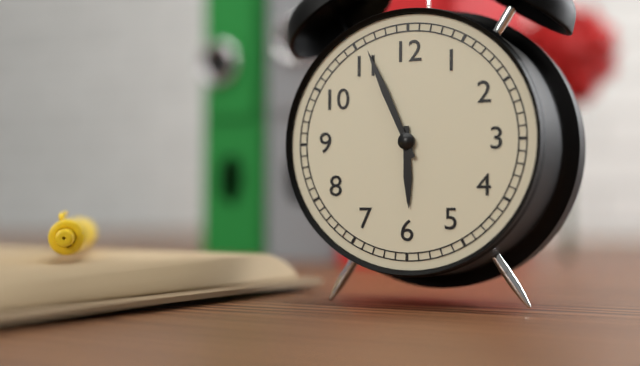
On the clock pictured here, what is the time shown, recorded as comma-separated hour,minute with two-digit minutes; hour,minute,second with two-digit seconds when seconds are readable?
5,56
